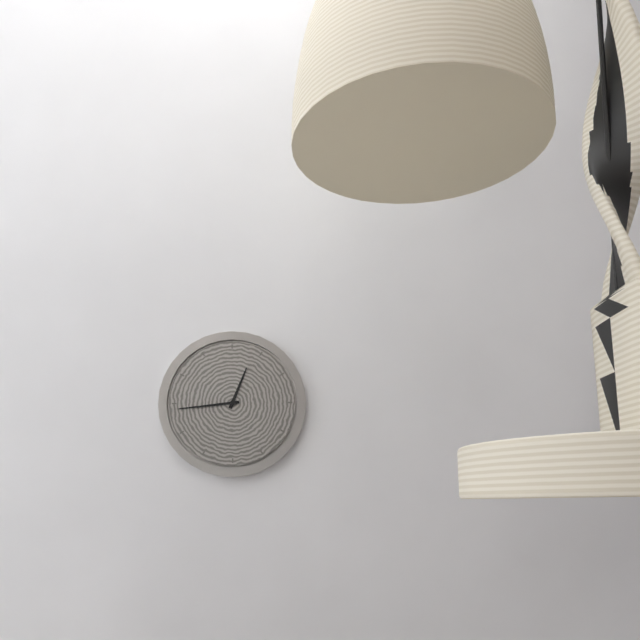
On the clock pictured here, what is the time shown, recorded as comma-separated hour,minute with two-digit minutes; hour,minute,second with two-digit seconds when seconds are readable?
12,44
